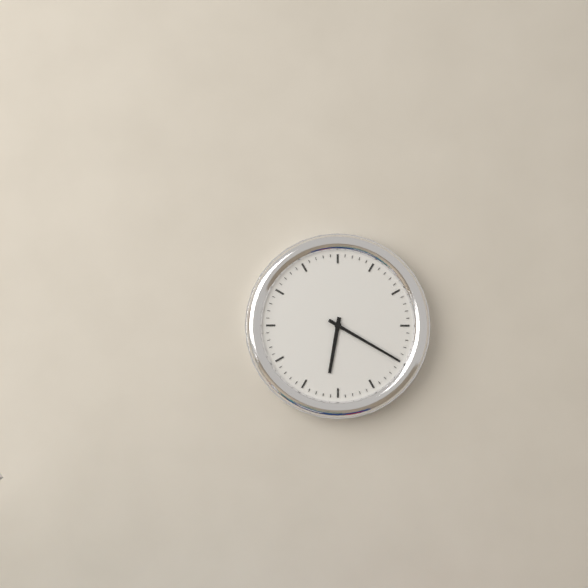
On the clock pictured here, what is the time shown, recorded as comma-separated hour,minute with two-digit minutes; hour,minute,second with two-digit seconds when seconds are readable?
6,20
